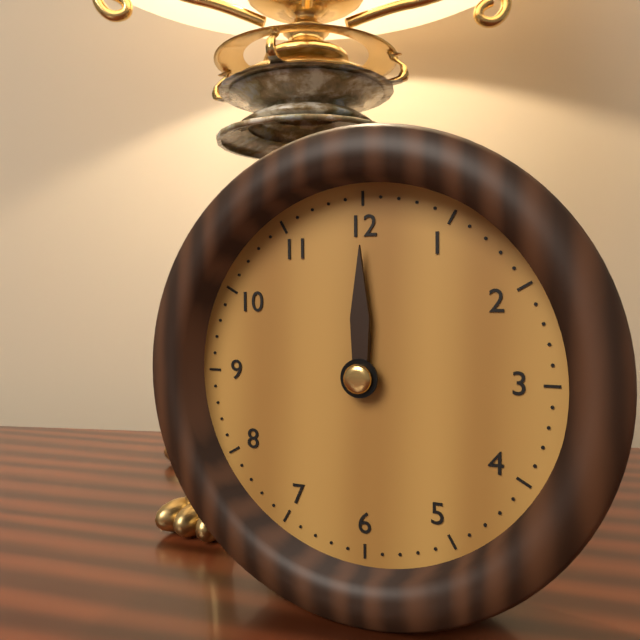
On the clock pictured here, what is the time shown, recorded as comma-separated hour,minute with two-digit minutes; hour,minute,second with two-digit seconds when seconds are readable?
12,00
